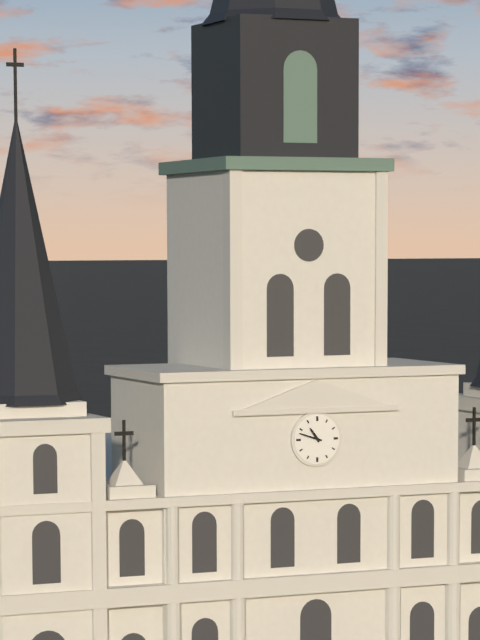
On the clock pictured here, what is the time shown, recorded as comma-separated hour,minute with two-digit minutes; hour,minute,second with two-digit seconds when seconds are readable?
10,48
